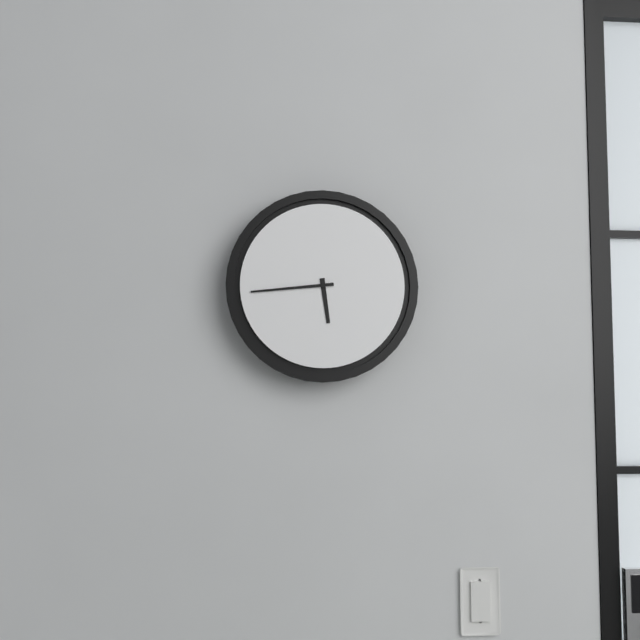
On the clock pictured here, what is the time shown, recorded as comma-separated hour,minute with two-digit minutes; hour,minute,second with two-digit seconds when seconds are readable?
5,44
